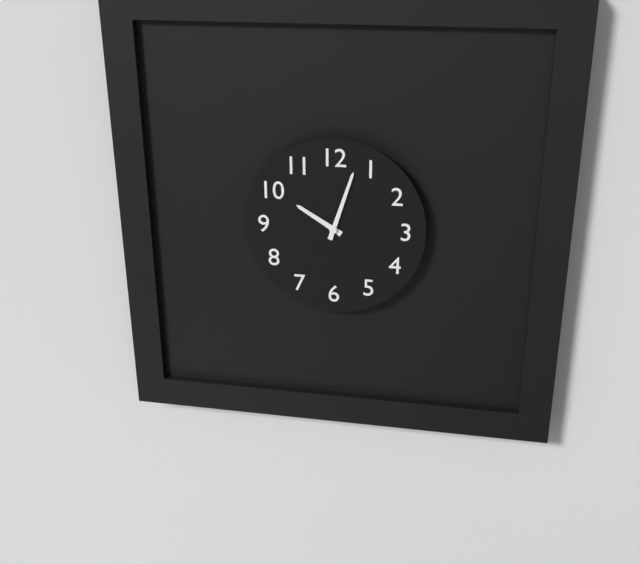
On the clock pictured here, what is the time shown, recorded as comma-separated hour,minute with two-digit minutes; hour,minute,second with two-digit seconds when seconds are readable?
10,03
